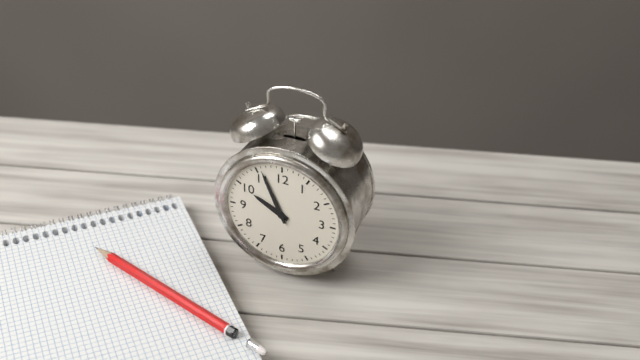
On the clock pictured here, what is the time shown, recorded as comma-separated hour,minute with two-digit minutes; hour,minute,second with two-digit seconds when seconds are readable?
9,56
